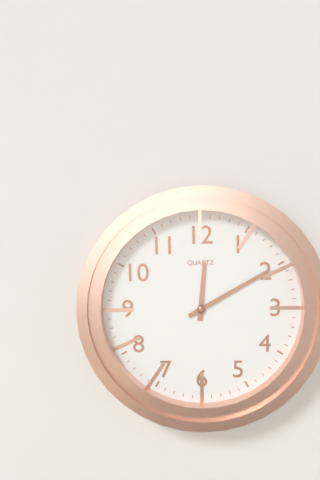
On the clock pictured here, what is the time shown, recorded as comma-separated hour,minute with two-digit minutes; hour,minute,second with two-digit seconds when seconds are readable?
12,10
